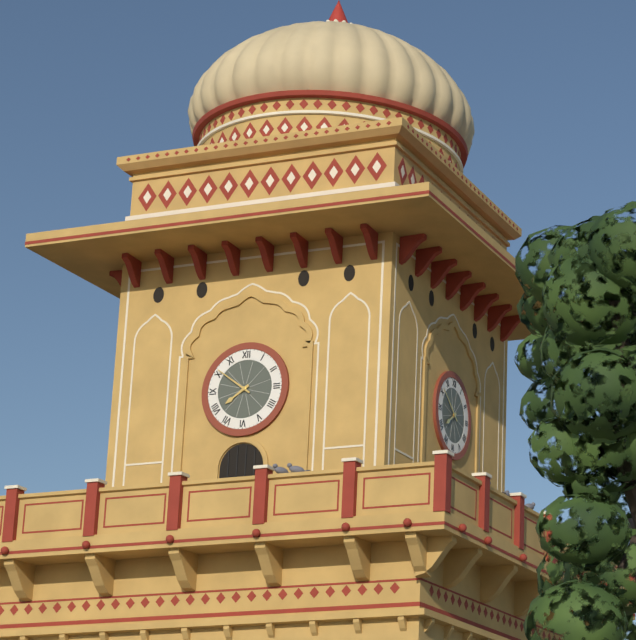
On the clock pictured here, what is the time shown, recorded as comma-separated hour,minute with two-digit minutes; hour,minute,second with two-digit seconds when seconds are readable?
7,51
